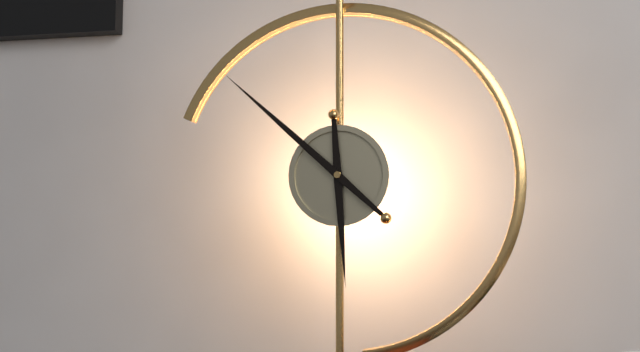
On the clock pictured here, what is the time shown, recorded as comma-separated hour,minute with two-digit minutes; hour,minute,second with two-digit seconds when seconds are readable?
5,52
